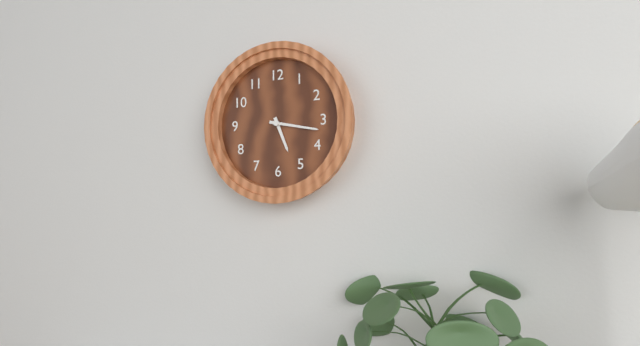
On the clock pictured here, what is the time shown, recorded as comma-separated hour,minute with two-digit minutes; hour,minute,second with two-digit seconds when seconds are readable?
5,17
